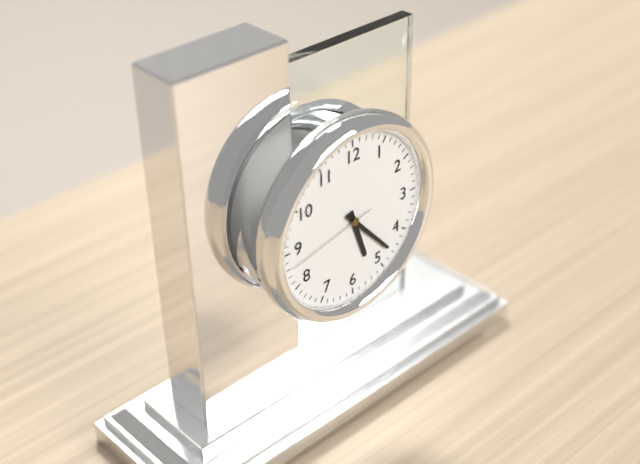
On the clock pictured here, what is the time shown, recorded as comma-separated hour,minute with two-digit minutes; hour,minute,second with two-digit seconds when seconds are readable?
5,23,43
